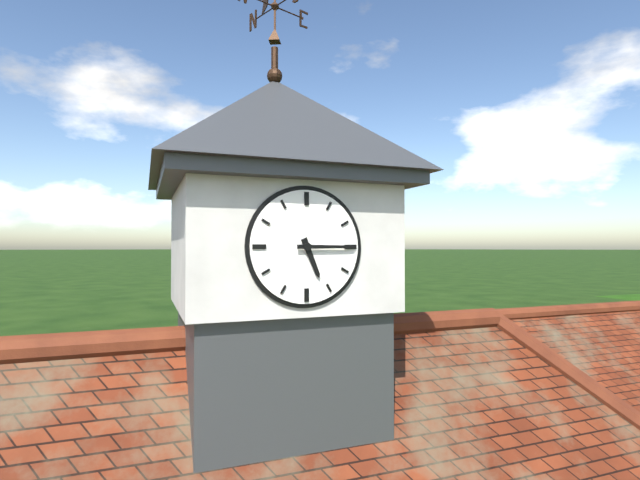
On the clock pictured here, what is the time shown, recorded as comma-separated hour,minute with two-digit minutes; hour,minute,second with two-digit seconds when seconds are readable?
5,15
